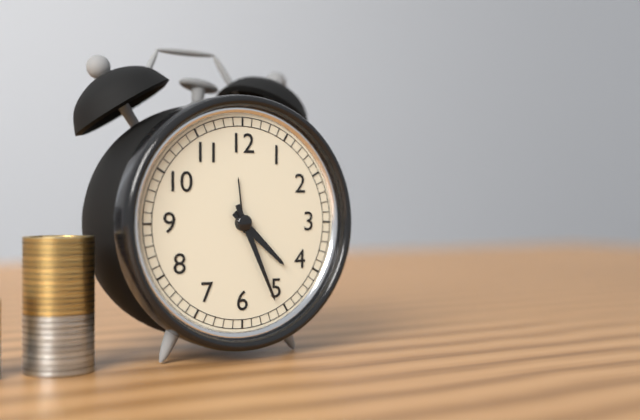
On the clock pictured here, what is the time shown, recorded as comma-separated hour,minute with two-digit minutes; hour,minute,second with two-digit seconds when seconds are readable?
4,26
